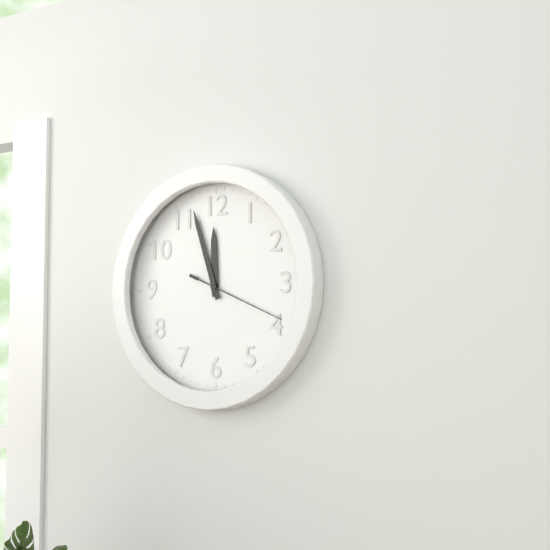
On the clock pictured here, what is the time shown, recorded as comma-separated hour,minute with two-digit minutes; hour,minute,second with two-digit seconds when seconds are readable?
11,57,19
